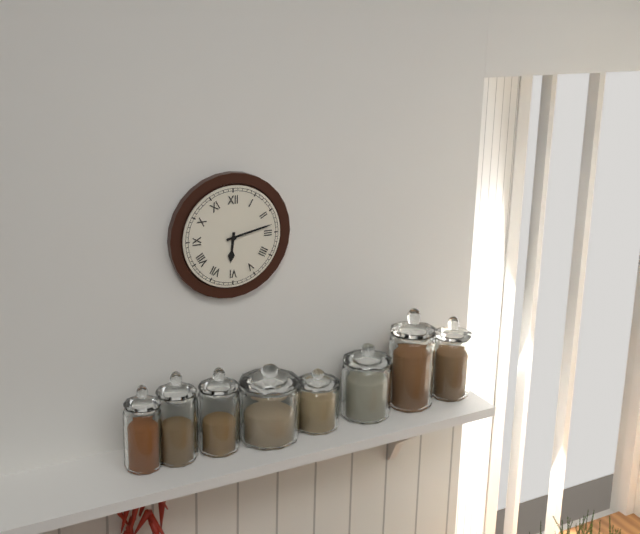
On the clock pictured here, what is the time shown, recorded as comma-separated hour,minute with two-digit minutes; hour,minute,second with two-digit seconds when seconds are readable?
6,13
